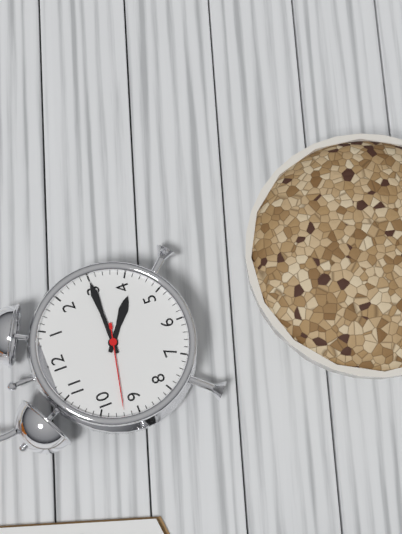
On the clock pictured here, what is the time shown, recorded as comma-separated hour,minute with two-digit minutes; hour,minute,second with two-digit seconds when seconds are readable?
4,15,47
